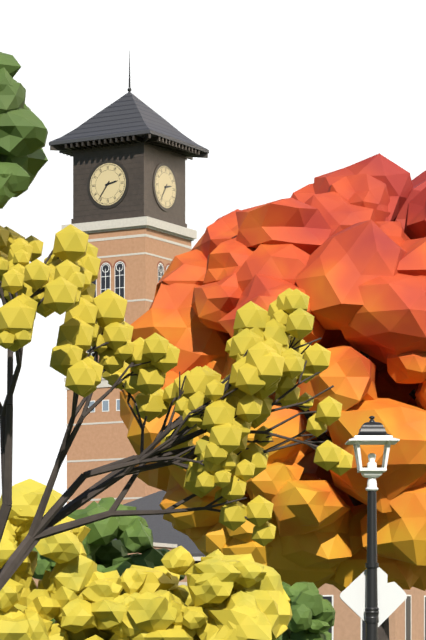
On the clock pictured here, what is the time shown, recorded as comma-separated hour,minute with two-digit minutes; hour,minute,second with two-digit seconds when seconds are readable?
2,36
